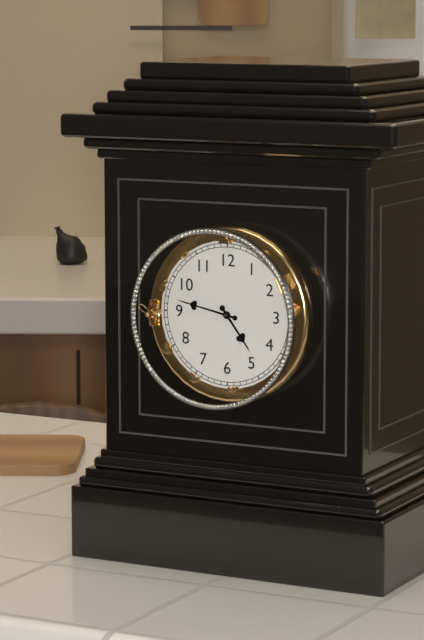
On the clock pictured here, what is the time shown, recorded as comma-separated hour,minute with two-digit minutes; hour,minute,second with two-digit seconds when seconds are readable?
4,47
